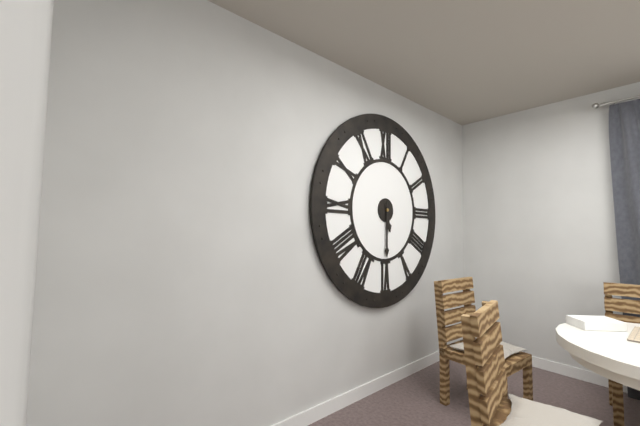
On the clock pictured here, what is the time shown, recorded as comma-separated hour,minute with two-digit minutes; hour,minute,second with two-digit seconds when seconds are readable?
5,30
